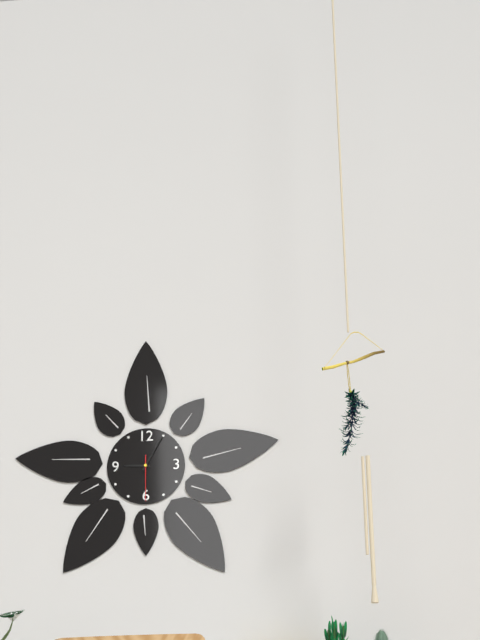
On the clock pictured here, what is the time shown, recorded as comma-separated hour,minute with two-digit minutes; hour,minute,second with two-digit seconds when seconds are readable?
9,05
